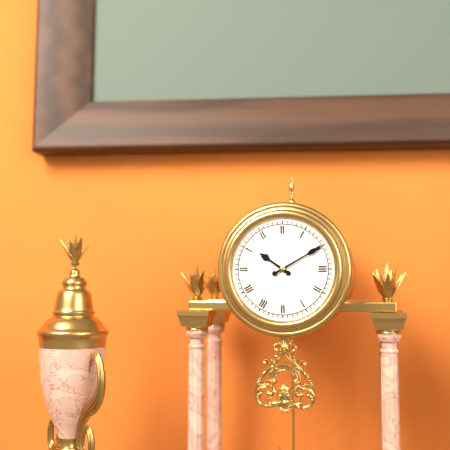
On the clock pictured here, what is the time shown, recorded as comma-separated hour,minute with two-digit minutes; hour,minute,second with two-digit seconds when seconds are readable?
10,10
